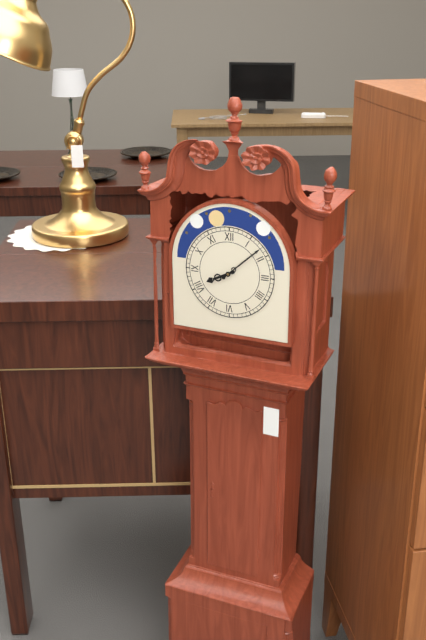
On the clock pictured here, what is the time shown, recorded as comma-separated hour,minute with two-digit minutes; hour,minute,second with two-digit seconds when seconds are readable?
8,08
